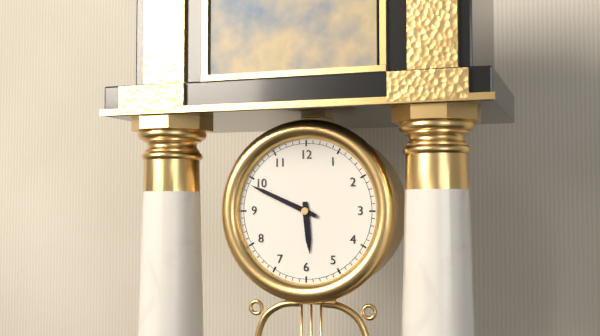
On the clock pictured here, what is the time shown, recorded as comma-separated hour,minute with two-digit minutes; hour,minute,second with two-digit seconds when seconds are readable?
5,49
